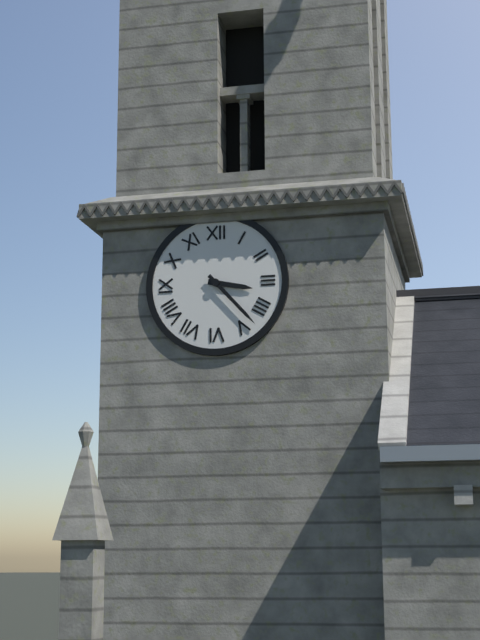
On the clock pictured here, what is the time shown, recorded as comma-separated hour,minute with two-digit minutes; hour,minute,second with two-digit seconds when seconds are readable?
3,23
